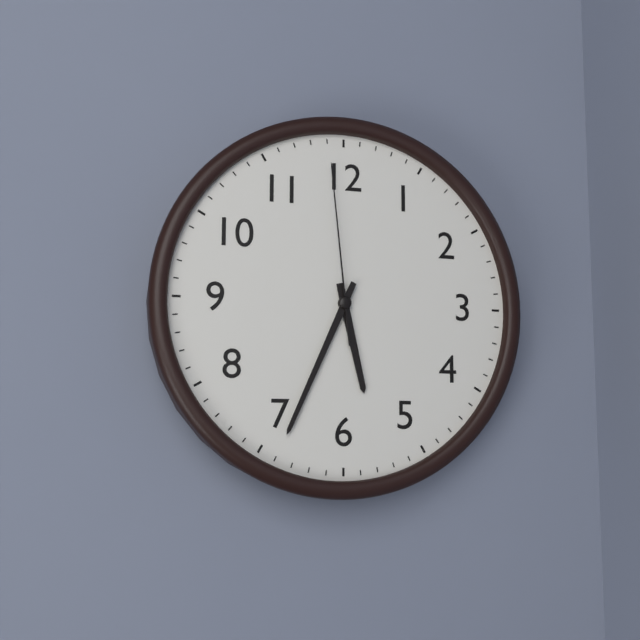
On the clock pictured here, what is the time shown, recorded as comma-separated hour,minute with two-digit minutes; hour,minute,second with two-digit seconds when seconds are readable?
5,34,59
